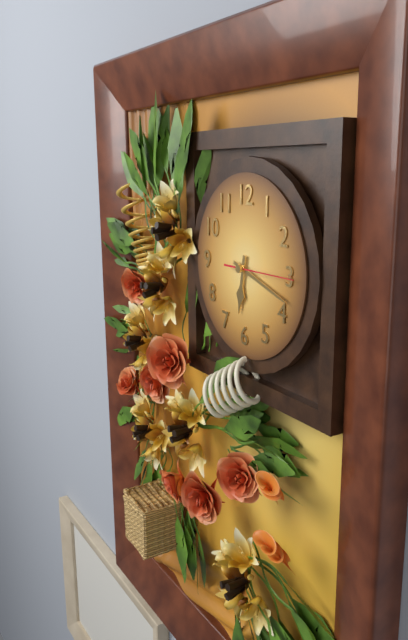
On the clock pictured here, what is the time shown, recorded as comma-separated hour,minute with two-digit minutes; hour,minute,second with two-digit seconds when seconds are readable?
6,18,15
